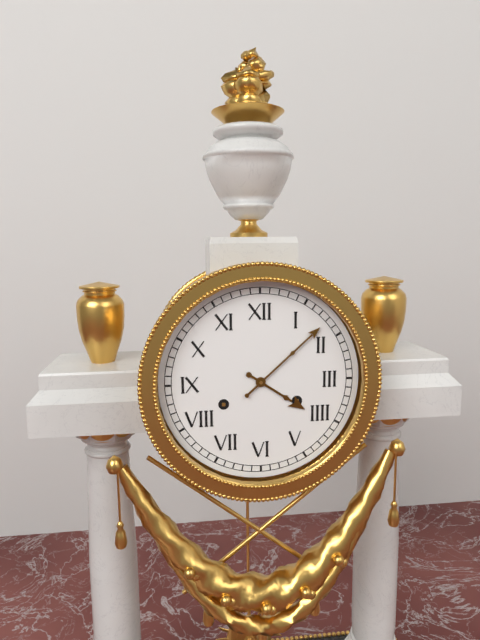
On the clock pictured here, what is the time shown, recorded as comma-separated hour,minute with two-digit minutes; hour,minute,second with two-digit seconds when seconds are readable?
4,08
